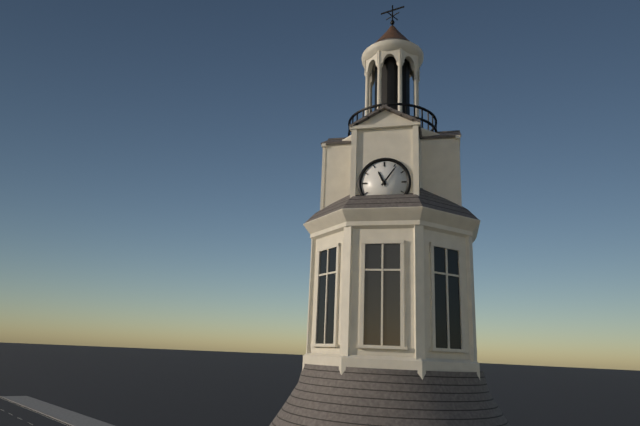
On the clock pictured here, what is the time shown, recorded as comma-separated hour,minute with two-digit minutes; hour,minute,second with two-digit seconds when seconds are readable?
11,06
